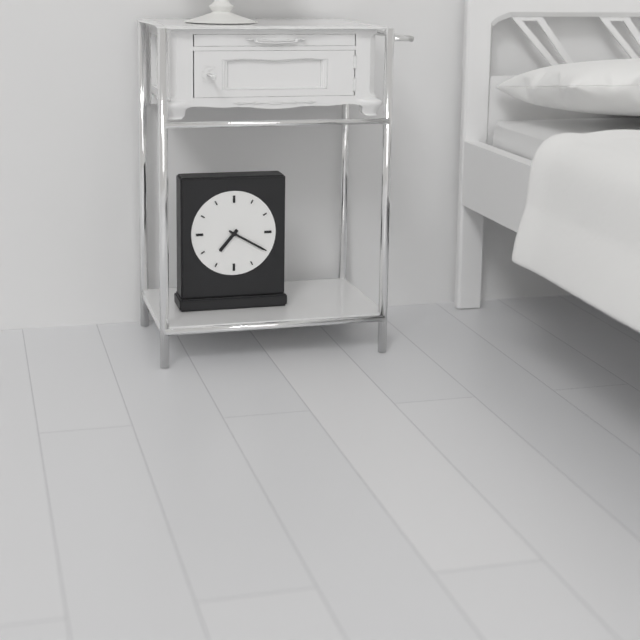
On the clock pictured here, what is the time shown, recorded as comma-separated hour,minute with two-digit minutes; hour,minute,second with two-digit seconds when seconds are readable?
7,20
